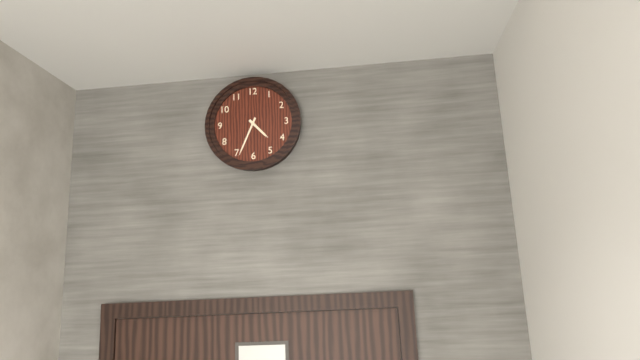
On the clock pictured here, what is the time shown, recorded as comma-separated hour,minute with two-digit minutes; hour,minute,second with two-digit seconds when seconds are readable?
4,34
